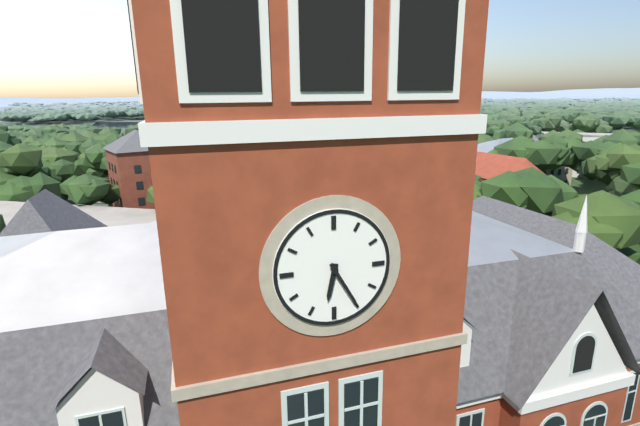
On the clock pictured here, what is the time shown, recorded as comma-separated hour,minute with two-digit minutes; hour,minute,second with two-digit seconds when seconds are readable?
6,25
